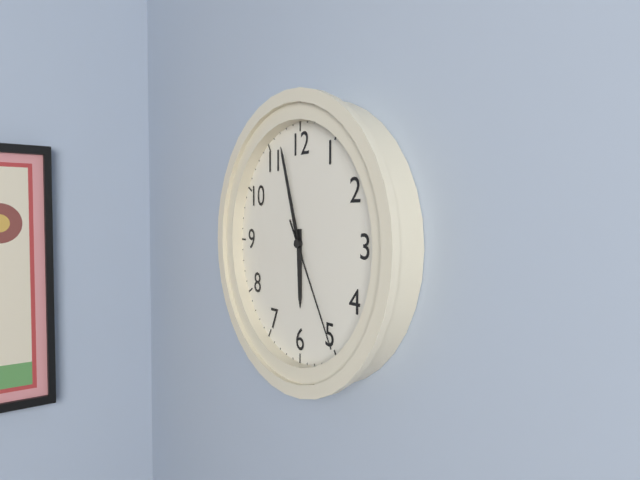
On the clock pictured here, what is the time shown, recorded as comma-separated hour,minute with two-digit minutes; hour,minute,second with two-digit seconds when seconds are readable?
5,57,25
